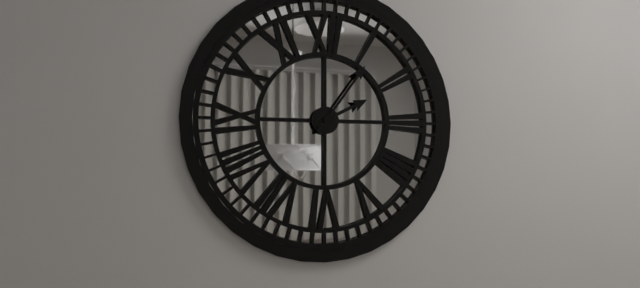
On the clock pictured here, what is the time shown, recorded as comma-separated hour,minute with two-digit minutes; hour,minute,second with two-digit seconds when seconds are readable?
2,06
